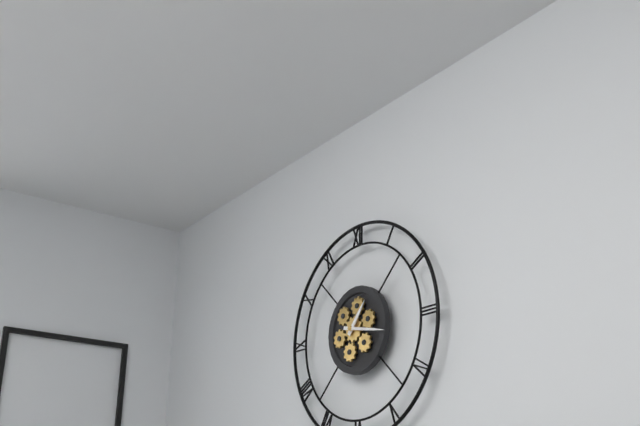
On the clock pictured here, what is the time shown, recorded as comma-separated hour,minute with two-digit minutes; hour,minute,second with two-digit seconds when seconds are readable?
1,17
